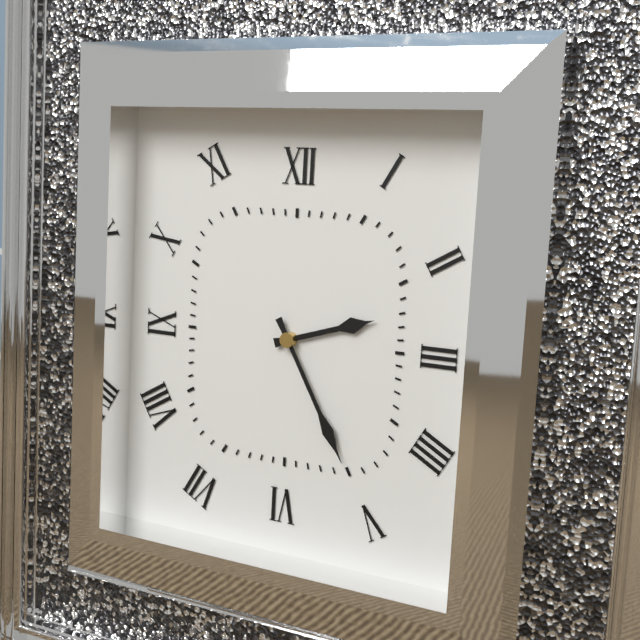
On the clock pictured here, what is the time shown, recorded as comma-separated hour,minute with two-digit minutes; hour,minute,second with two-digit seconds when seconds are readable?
2,25
